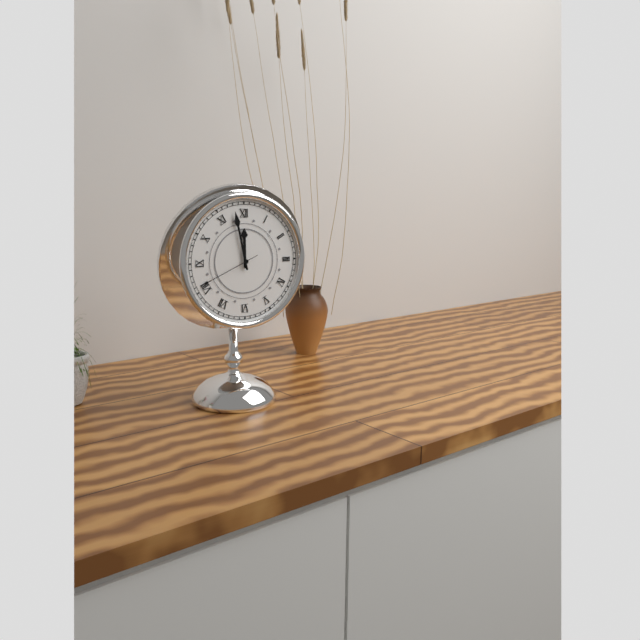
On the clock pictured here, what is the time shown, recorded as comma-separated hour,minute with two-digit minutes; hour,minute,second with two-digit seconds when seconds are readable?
11,58,41
